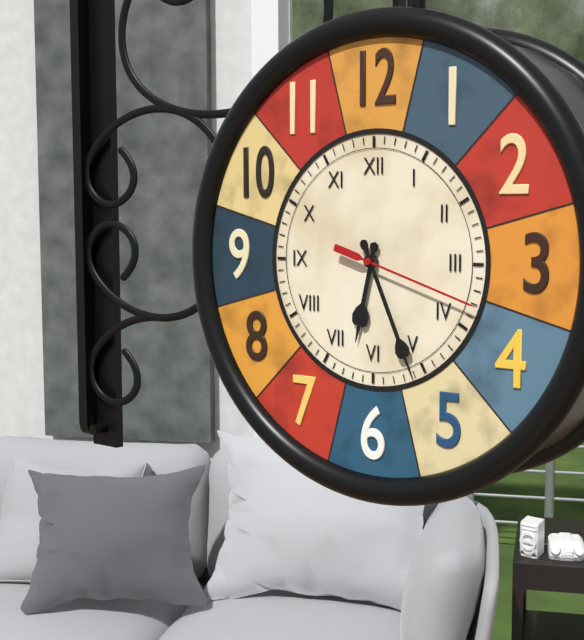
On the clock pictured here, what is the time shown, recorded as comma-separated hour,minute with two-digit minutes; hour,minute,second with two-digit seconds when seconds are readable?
6,26,18
